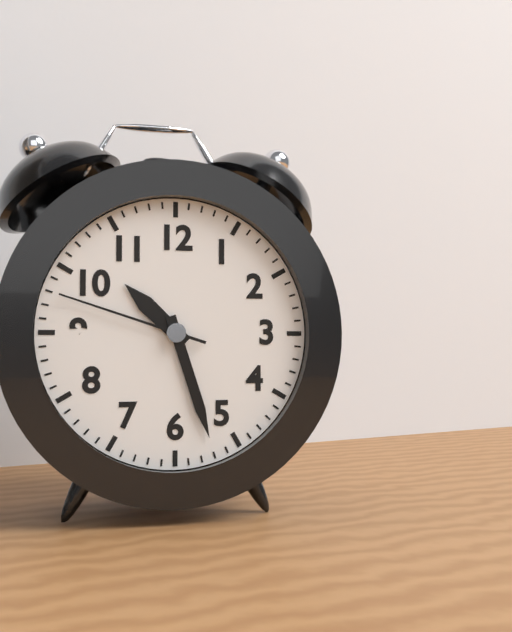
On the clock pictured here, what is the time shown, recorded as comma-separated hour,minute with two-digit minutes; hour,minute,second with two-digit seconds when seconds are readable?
10,27,48
